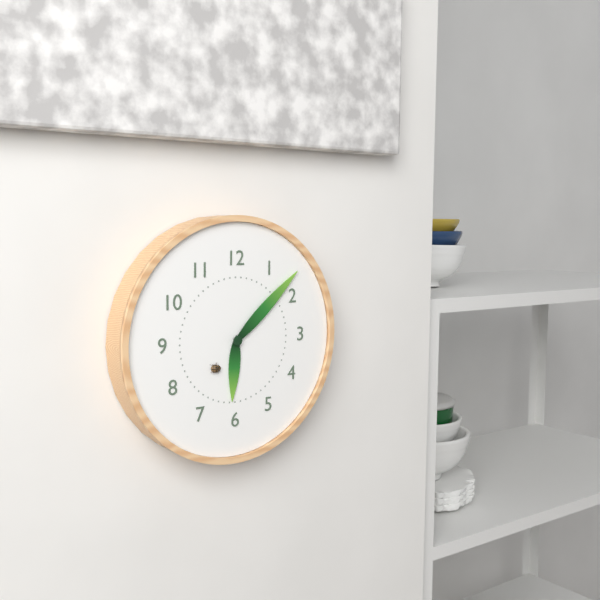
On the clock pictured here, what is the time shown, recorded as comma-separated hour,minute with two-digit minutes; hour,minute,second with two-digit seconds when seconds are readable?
6,08
